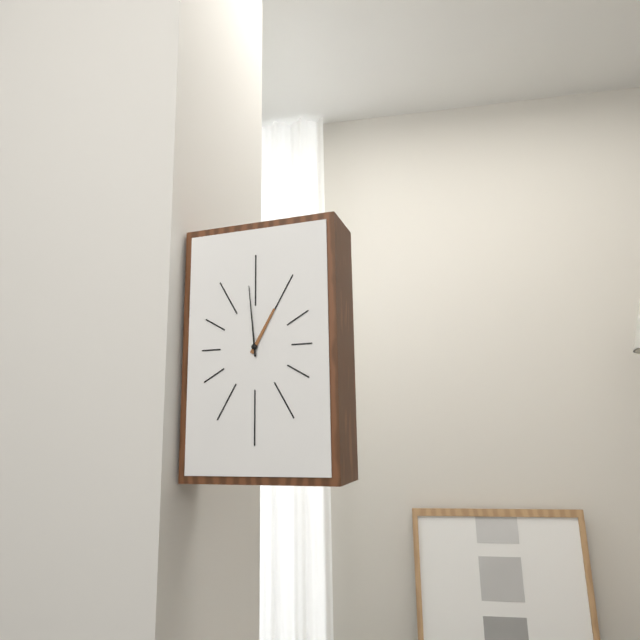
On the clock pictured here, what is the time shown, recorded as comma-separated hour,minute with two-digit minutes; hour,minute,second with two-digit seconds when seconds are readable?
12,59
